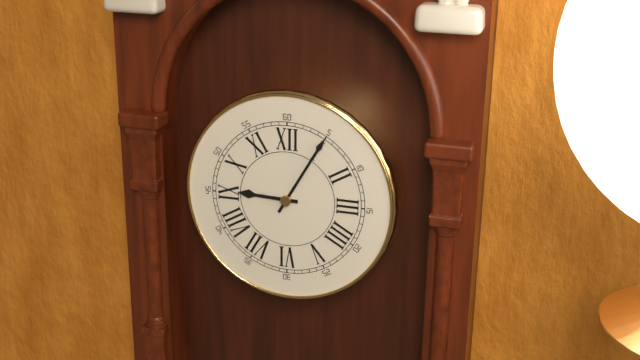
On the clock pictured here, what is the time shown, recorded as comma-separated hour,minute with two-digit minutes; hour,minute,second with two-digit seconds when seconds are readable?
9,05
